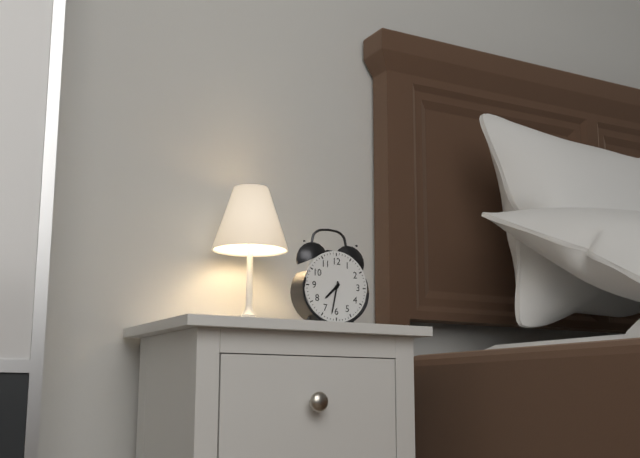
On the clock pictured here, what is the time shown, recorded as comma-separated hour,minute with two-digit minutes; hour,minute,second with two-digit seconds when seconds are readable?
7,32
